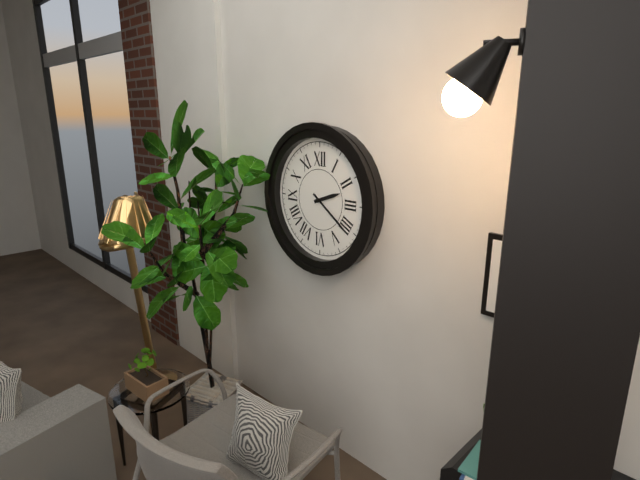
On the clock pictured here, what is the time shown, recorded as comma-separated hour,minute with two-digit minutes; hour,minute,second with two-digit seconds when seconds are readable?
2,21
